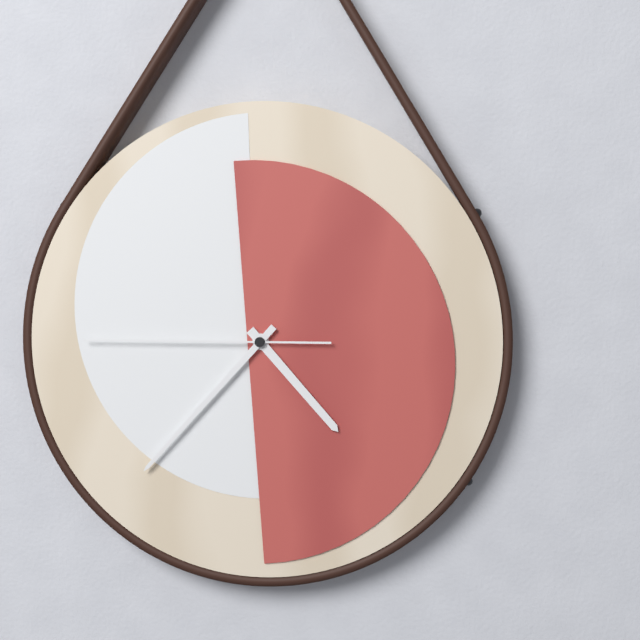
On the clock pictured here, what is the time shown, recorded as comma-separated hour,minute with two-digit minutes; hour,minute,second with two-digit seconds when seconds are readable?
4,37,45
